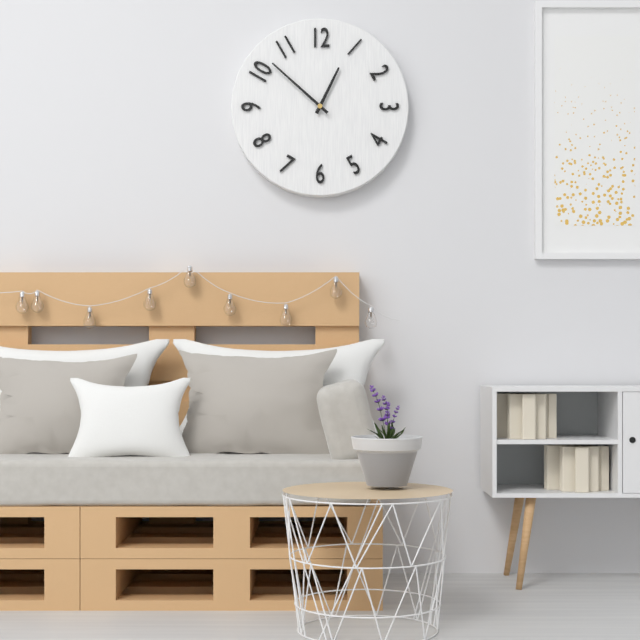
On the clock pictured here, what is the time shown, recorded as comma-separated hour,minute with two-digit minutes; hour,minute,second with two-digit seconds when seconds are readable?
12,52
